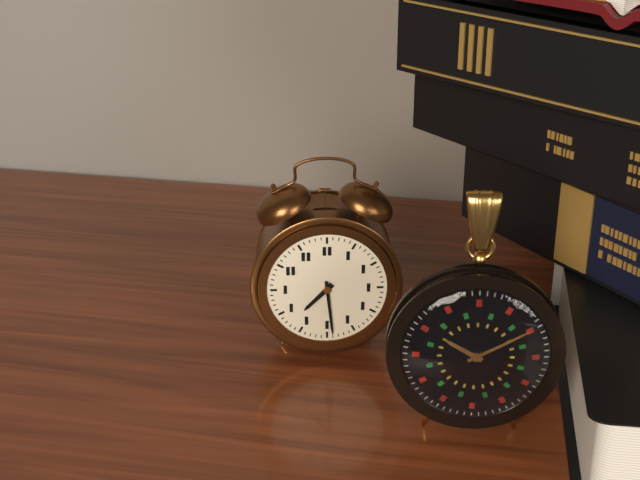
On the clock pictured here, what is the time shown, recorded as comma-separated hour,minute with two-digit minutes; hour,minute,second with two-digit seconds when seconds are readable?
7,29
